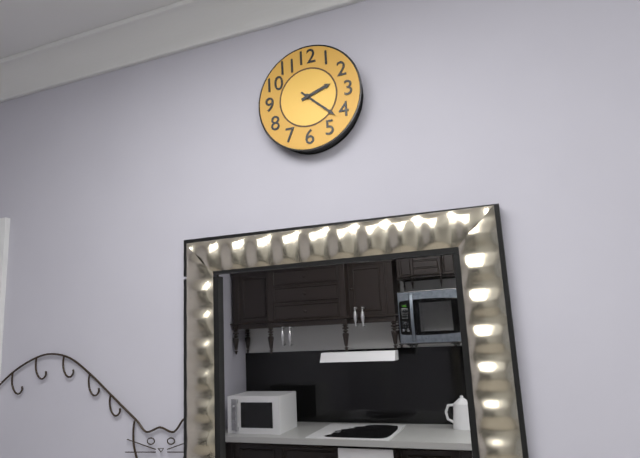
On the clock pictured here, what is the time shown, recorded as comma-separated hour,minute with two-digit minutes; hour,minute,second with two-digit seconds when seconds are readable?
2,22
